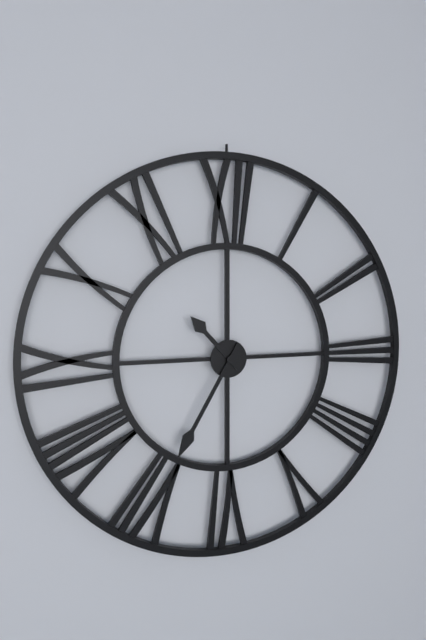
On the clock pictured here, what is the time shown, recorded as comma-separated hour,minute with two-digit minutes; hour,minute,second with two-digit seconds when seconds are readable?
10,35
